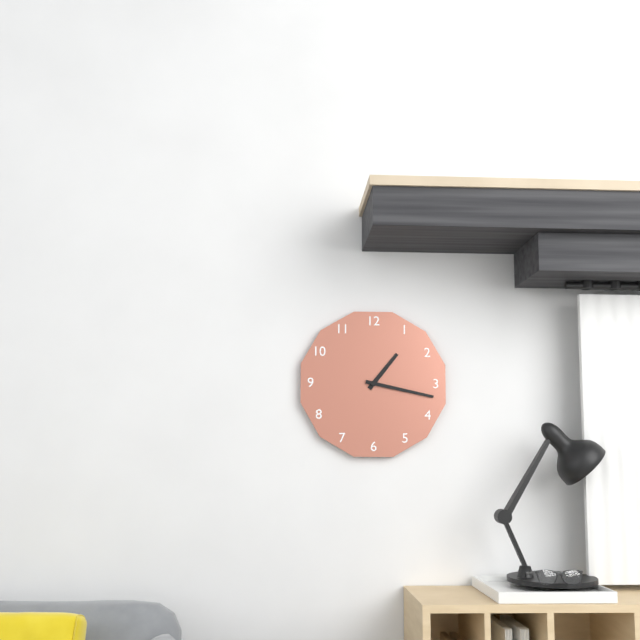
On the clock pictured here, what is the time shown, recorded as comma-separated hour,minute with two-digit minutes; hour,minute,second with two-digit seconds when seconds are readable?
1,17
